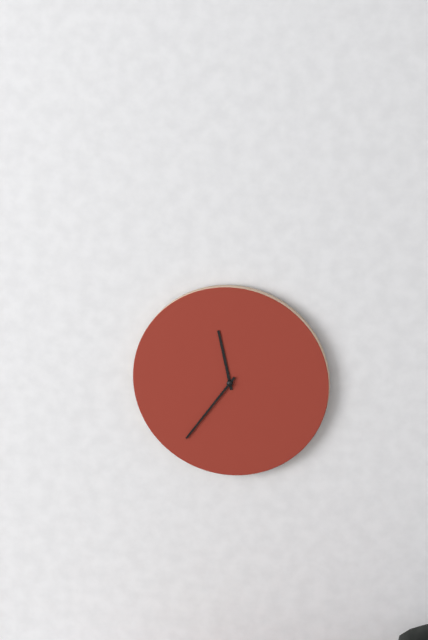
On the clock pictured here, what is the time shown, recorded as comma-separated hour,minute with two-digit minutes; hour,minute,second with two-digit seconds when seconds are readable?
11,36
